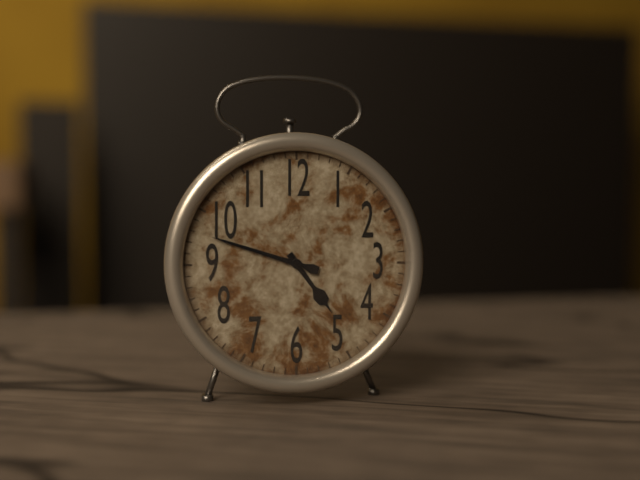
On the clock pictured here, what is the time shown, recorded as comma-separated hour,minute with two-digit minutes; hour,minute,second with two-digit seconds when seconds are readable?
4,48
